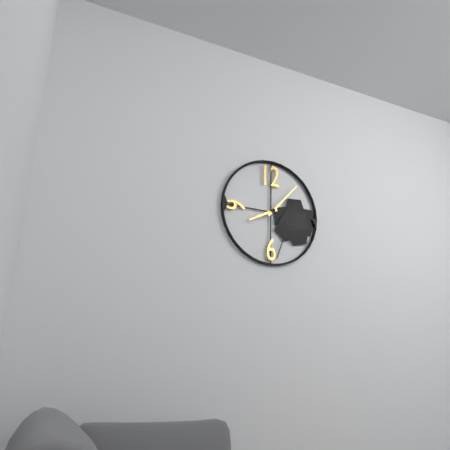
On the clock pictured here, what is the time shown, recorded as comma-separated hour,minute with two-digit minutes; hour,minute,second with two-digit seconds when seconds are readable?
8,07
